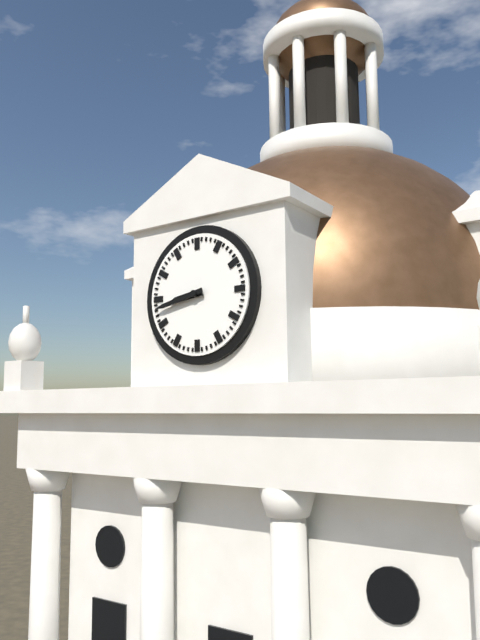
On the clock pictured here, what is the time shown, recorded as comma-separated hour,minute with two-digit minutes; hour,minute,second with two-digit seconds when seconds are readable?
8,43
